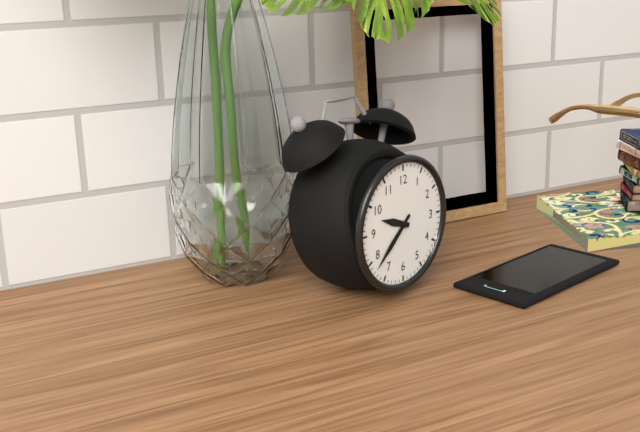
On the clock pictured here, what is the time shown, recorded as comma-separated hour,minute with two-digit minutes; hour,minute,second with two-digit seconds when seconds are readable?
9,38
